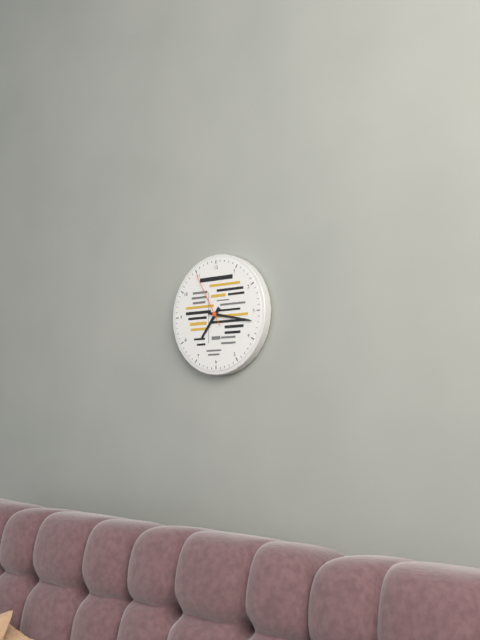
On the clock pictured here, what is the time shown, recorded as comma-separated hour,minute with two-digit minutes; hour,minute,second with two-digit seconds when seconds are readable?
7,17,55
